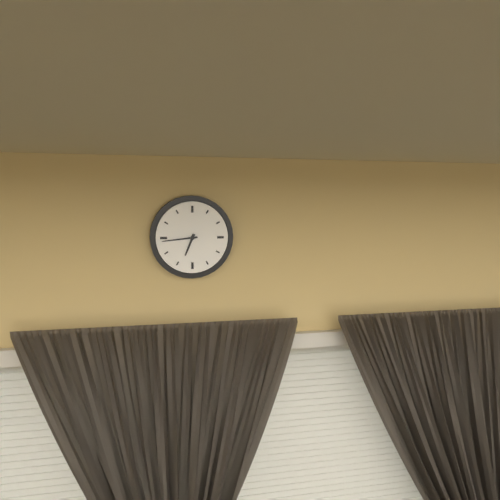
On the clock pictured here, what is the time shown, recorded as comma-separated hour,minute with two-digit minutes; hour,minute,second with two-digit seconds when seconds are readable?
6,44
